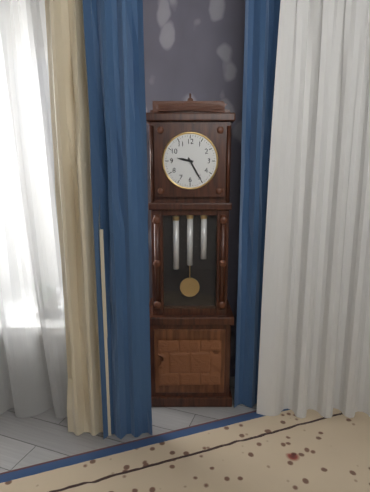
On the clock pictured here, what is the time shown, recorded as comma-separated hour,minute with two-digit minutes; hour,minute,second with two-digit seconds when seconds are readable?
9,25
